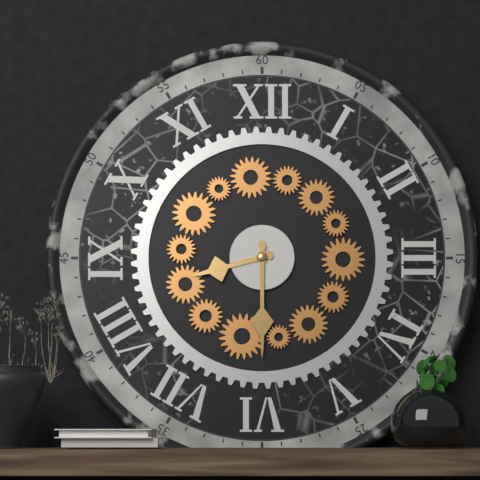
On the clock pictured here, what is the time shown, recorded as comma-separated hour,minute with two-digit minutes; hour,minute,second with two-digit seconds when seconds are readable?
8,30
